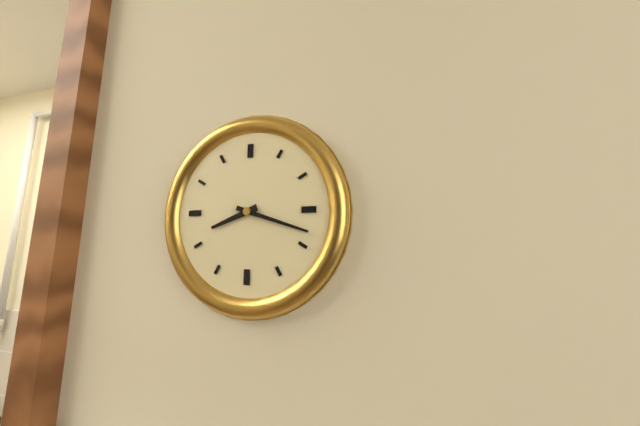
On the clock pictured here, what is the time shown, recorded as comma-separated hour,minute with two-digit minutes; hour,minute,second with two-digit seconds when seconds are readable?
8,18
